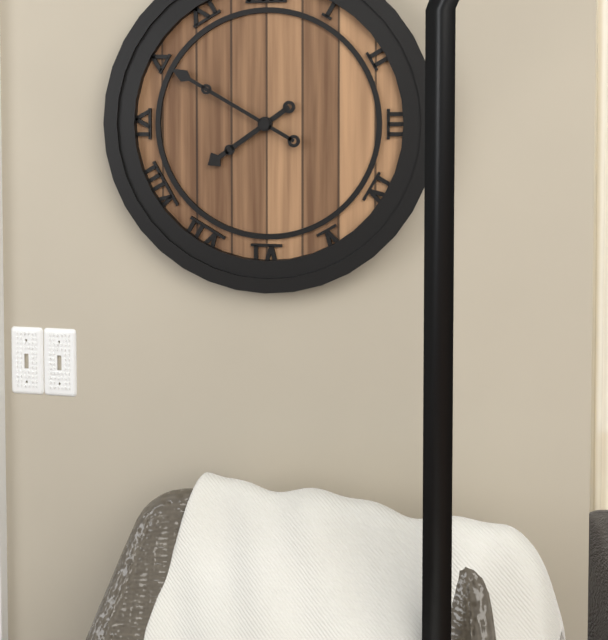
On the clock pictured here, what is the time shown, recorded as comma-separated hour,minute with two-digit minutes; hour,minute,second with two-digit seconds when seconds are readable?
7,50
